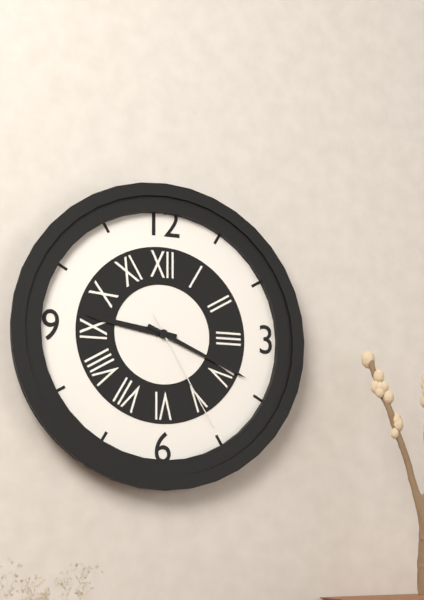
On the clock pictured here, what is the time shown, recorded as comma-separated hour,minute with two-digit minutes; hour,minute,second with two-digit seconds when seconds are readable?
9,19,25
